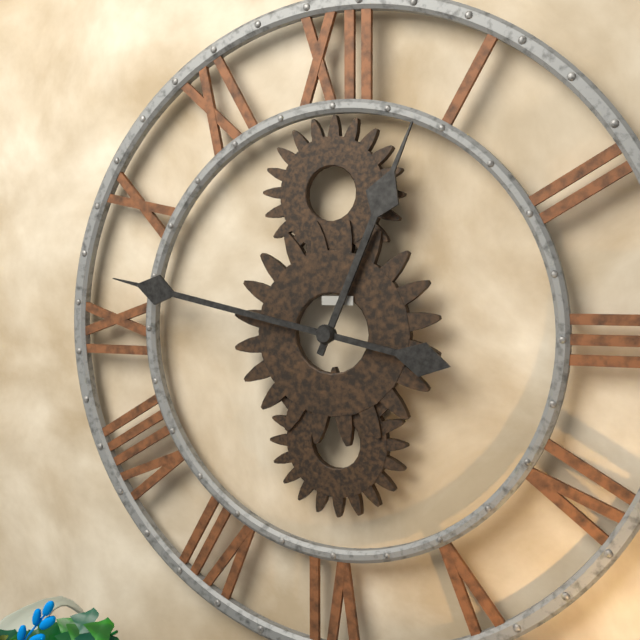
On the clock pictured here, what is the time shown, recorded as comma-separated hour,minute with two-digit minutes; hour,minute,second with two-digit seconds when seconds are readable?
12,47
